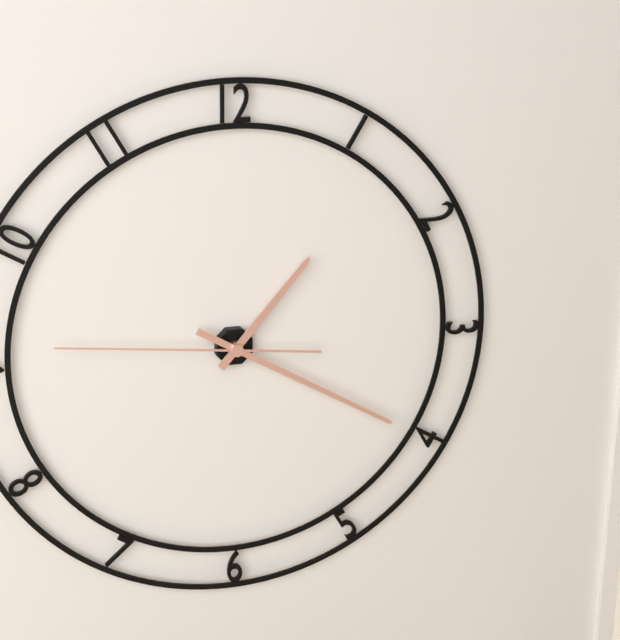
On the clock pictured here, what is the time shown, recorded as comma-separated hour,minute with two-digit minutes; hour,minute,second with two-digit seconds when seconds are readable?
1,20,46
